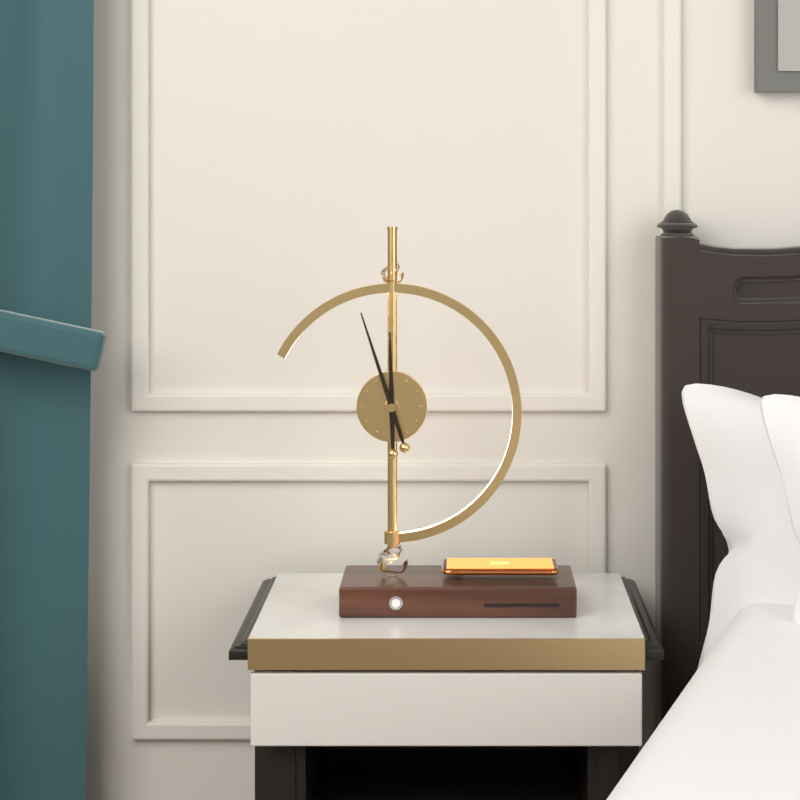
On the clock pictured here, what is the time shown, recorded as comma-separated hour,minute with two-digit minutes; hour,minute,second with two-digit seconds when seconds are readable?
11,57
